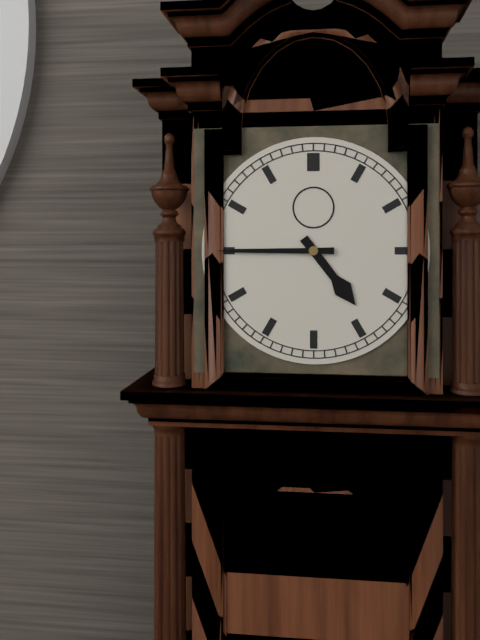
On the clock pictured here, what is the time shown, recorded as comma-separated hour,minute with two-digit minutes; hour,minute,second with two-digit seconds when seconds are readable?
4,45
